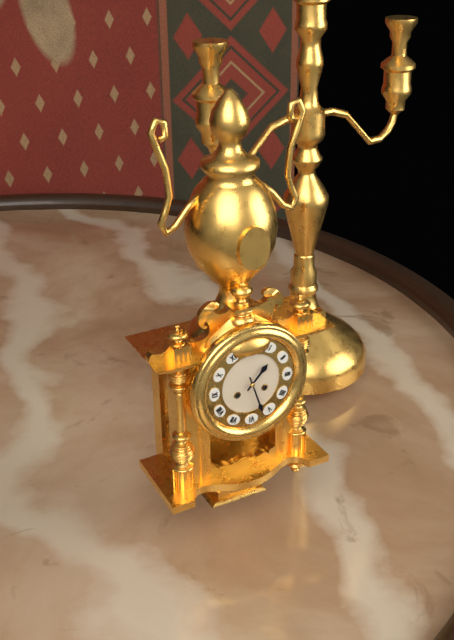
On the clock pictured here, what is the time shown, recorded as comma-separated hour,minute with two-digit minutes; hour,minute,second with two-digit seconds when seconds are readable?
1,27
